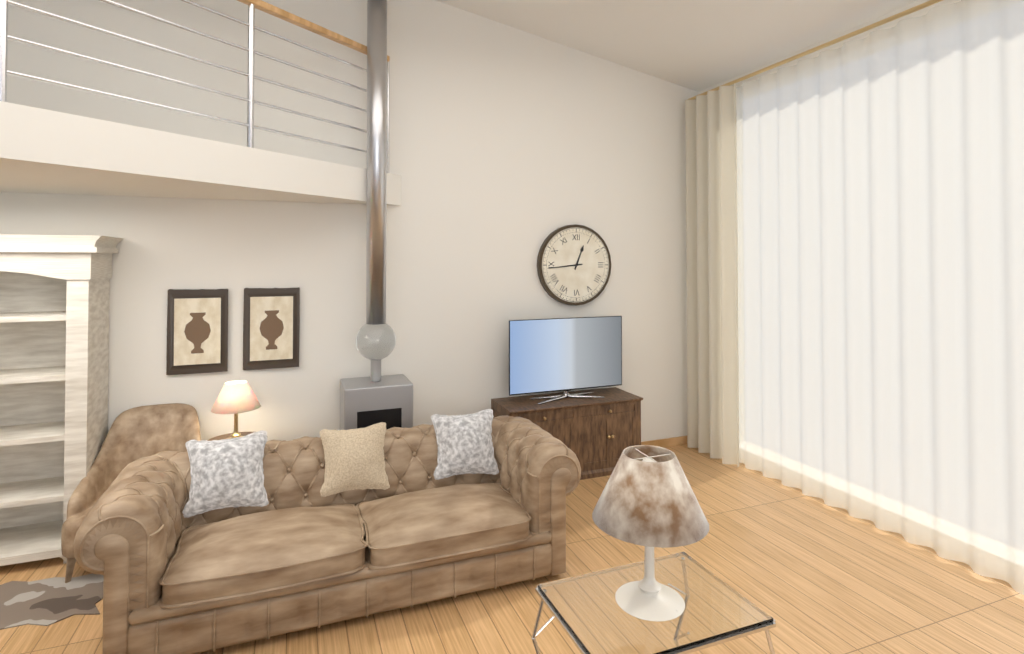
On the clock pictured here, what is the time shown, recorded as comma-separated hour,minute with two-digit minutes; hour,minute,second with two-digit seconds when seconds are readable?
12,44
